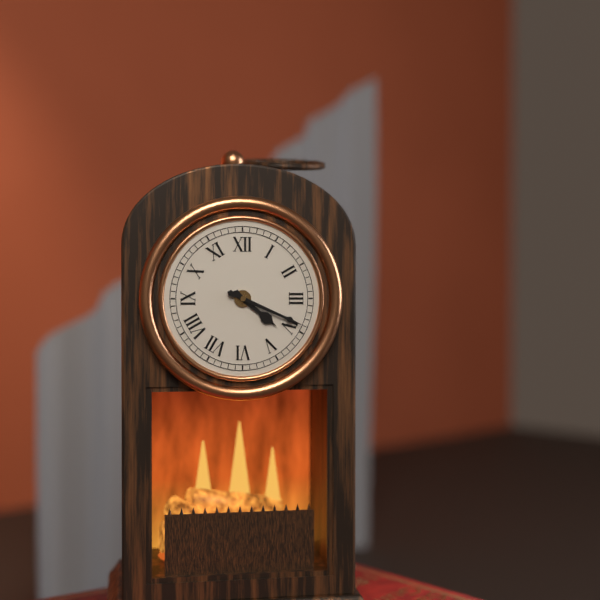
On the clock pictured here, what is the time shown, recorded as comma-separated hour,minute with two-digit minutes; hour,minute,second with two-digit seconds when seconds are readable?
4,19
